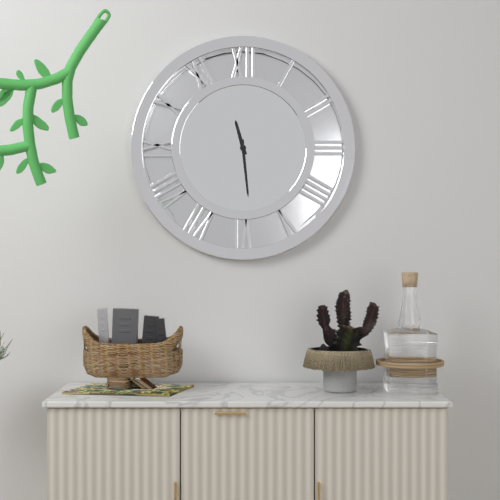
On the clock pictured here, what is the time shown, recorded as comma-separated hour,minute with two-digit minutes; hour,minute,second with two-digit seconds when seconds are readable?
11,29
